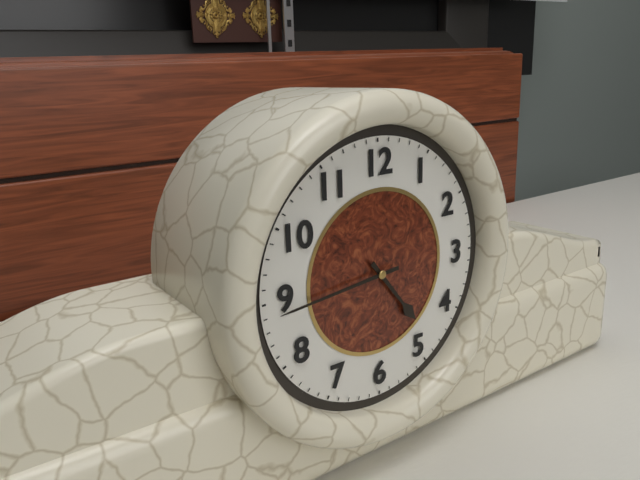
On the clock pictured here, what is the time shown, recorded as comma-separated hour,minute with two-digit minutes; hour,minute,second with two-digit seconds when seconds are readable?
4,44
